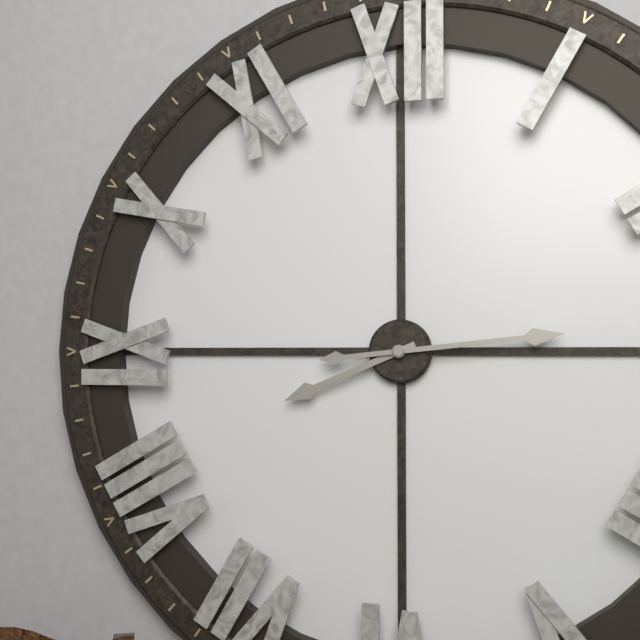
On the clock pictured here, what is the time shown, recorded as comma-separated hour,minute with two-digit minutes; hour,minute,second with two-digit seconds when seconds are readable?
8,14
